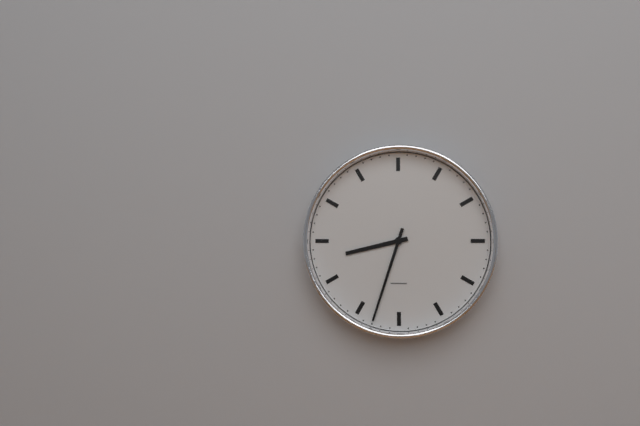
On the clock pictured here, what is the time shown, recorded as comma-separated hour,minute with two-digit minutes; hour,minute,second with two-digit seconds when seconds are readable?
8,33
